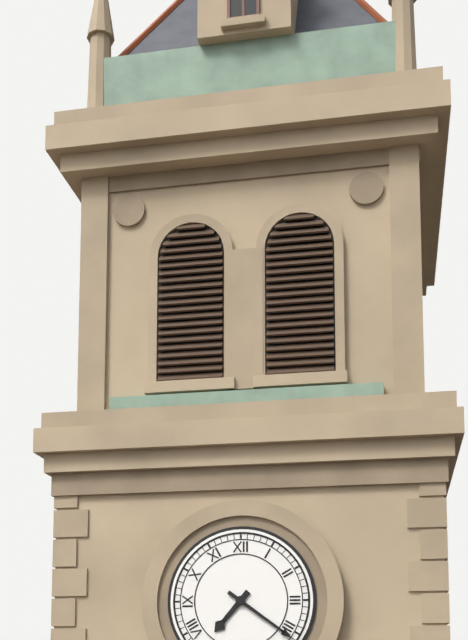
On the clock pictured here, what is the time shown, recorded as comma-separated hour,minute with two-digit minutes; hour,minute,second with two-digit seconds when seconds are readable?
7,21
